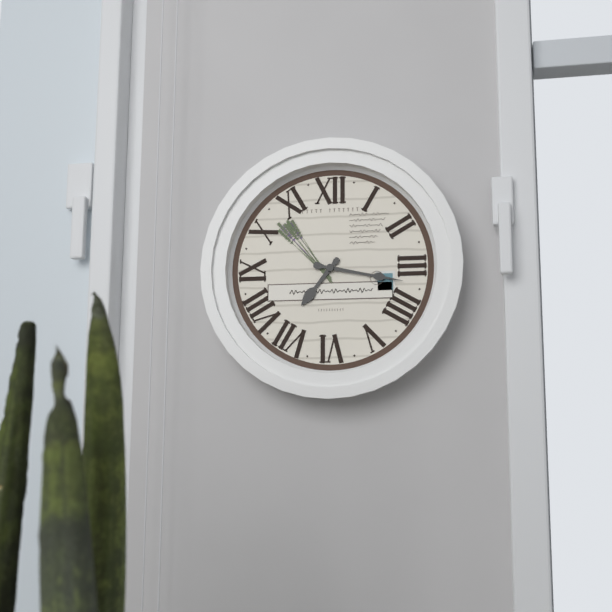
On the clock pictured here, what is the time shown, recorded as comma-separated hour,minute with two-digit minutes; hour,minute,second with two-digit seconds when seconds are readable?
7,17
